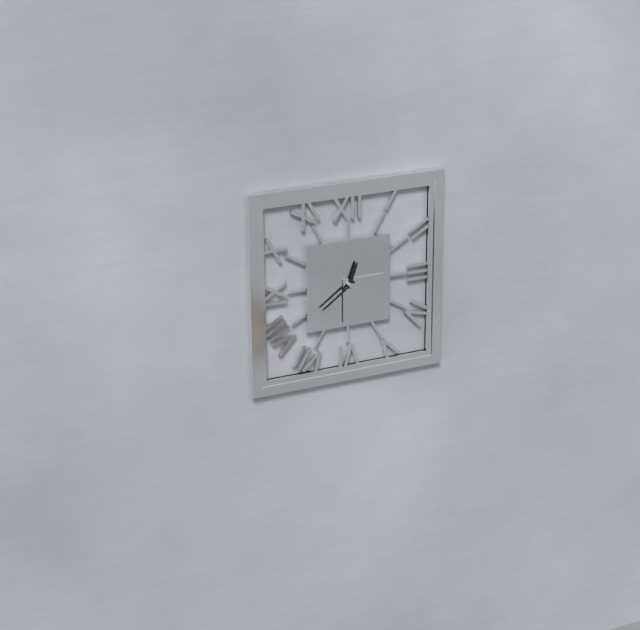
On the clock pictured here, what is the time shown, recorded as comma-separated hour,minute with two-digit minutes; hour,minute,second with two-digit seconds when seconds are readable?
12,39
